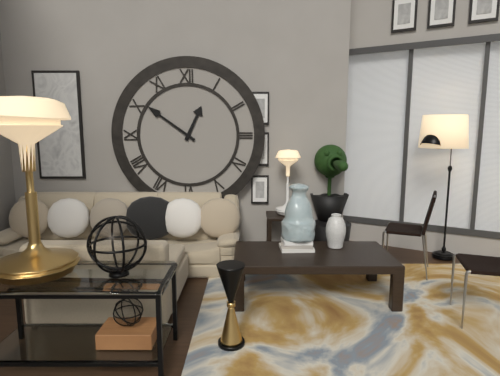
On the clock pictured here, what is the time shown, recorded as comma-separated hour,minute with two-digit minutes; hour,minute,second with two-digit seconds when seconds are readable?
12,51
